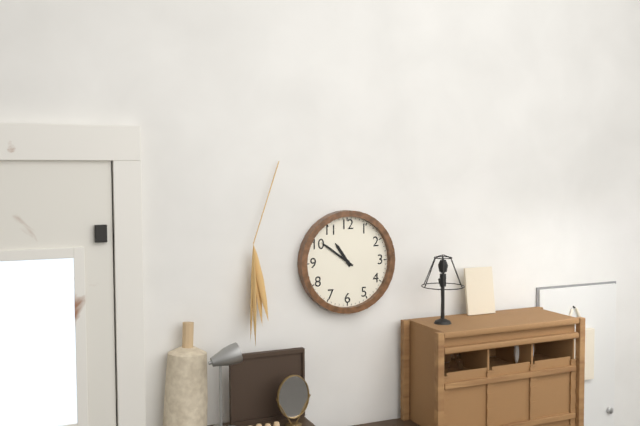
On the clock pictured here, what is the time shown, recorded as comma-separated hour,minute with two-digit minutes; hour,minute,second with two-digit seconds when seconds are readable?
10,51
